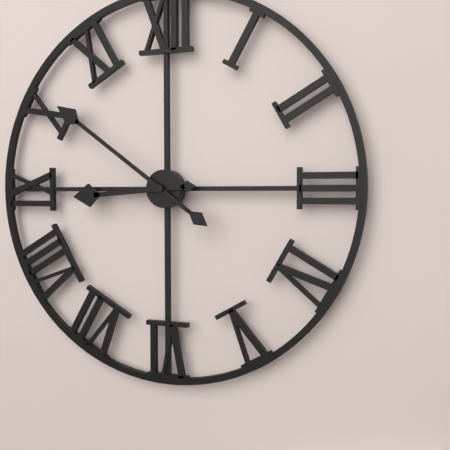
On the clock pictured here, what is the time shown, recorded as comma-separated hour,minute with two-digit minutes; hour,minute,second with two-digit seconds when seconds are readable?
8,51
